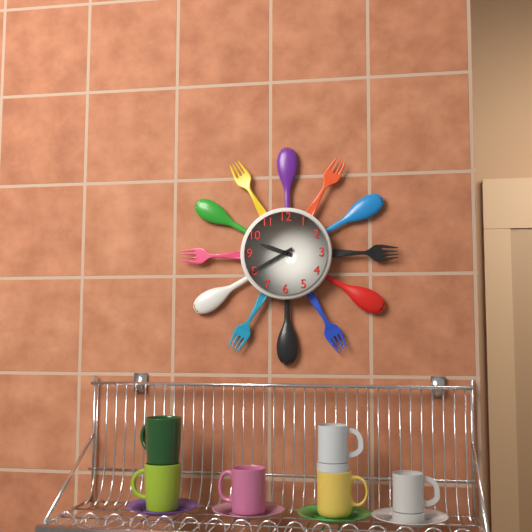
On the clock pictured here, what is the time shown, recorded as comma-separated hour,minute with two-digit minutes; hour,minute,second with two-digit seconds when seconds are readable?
9,40
